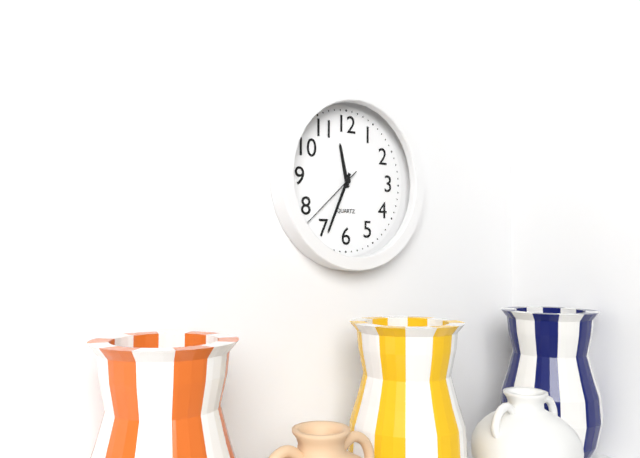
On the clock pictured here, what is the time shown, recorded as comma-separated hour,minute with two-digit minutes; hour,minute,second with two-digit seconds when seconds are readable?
11,34,38
